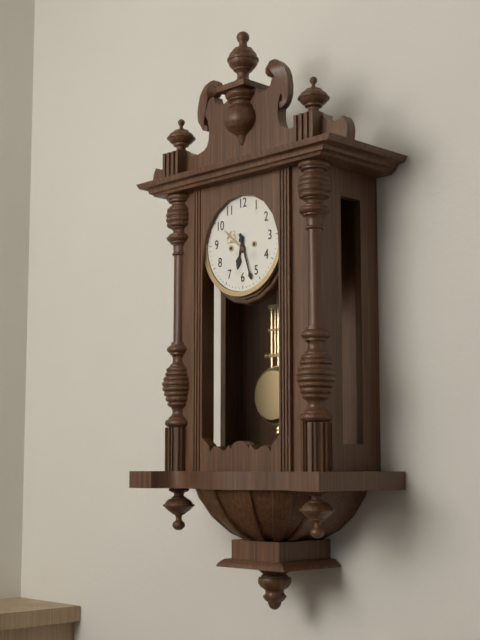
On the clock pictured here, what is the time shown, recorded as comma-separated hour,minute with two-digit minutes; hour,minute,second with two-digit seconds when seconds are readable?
6,27
